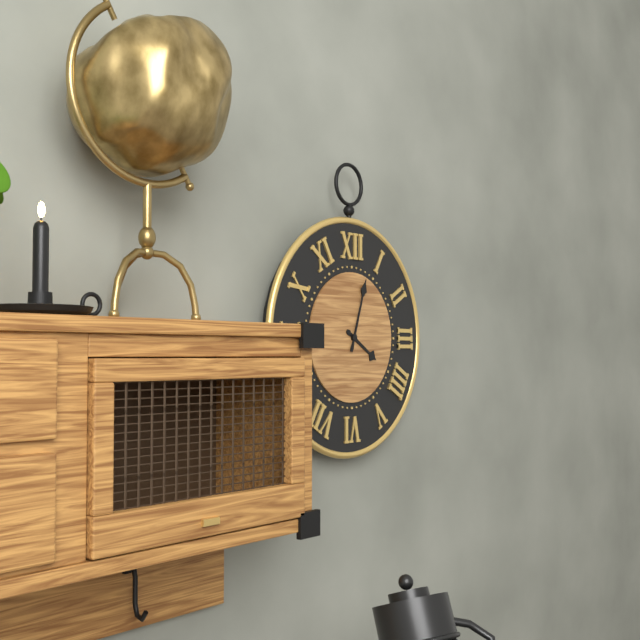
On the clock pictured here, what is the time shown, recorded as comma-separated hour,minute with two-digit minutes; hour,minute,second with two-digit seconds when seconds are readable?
4,03
